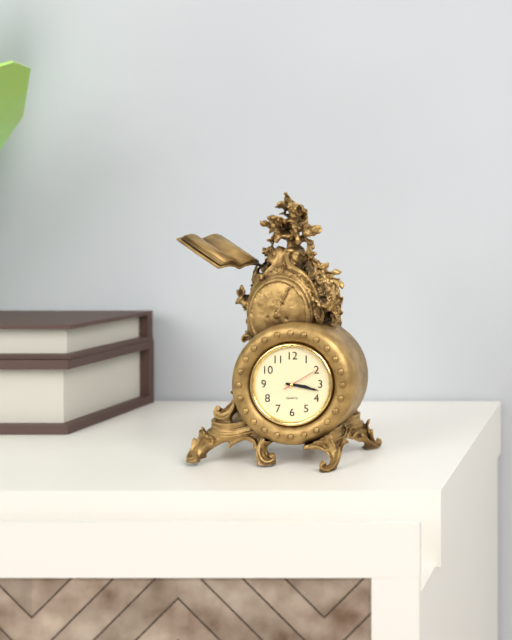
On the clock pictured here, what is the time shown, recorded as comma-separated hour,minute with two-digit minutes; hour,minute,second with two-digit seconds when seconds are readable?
3,17
